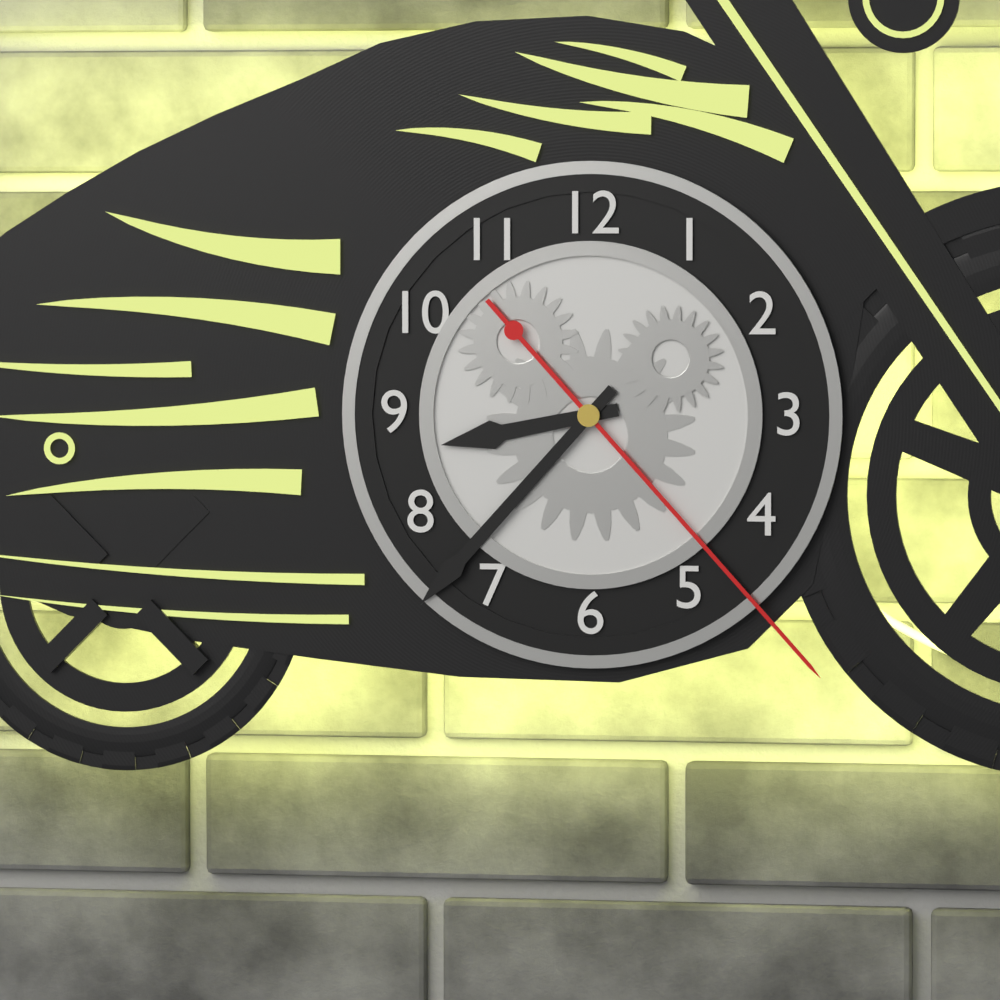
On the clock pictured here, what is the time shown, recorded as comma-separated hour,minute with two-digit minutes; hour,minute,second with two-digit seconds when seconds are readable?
8,37,23
